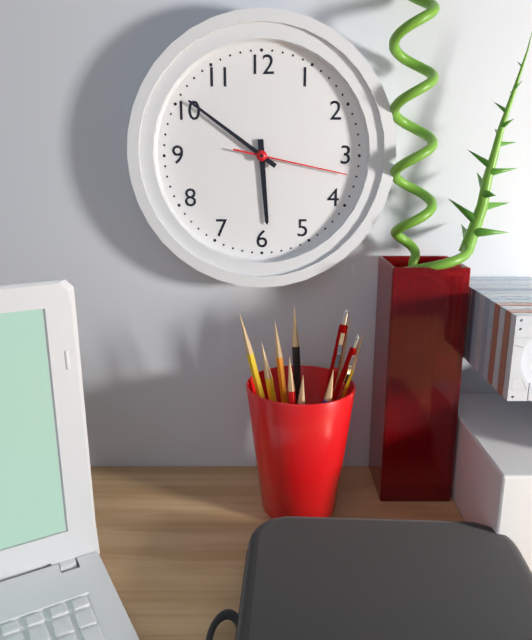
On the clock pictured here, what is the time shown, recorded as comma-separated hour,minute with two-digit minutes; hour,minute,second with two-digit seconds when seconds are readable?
5,51,17
